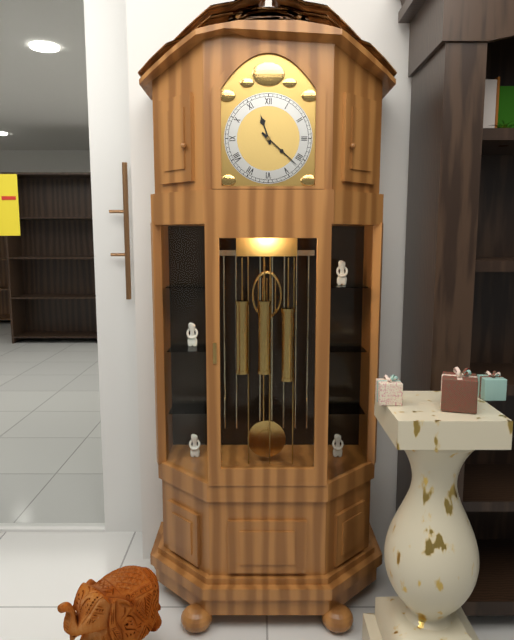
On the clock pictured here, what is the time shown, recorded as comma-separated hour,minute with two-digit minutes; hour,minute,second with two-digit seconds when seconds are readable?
11,22
